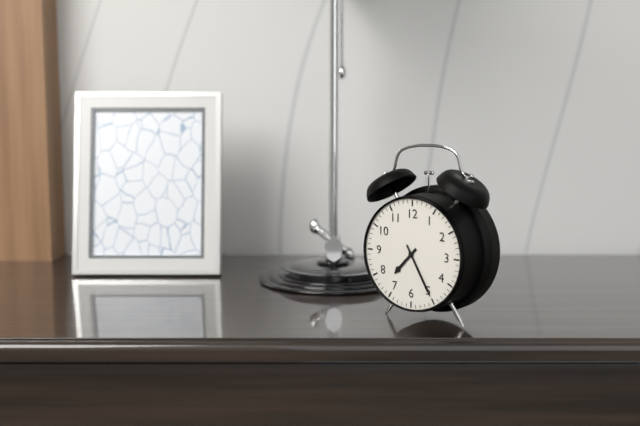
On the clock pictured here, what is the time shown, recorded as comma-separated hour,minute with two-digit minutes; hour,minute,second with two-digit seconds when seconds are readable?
7,25
